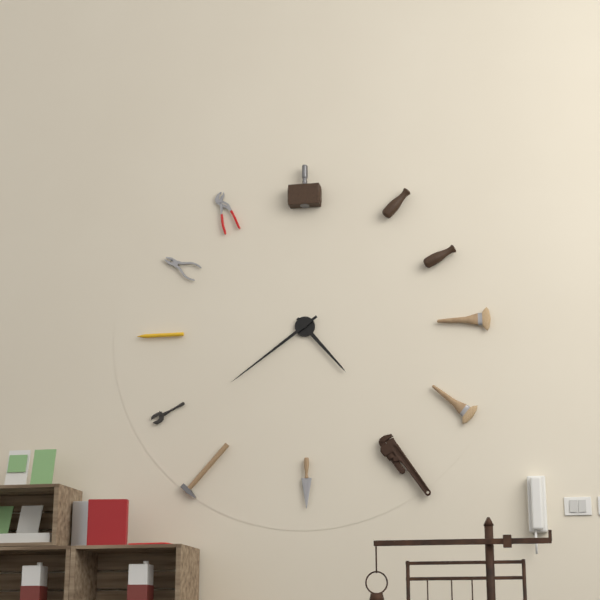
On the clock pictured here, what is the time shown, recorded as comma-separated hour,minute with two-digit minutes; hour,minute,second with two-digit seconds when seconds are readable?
4,39
